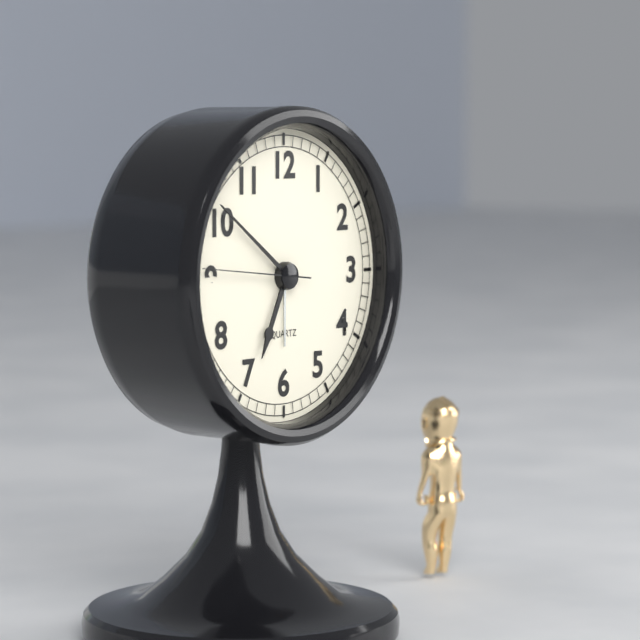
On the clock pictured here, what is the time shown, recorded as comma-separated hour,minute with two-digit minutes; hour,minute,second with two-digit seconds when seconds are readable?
6,51,46
